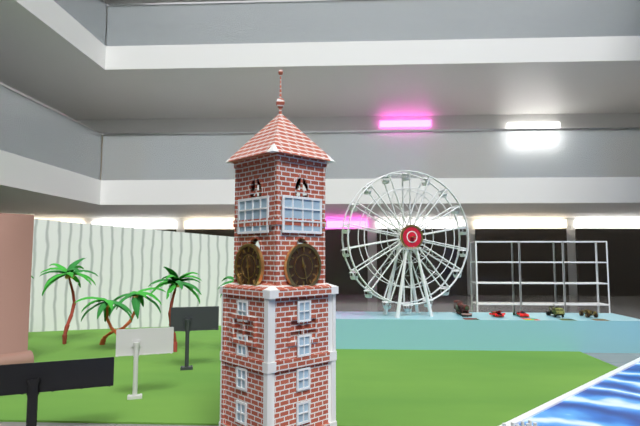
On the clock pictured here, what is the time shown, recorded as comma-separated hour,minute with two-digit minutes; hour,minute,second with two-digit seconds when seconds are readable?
11,28
